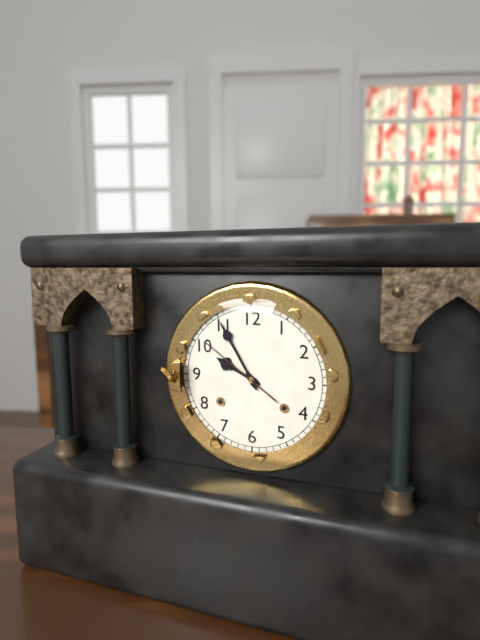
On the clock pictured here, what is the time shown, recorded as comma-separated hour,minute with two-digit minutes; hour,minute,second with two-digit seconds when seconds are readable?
9,55,51
